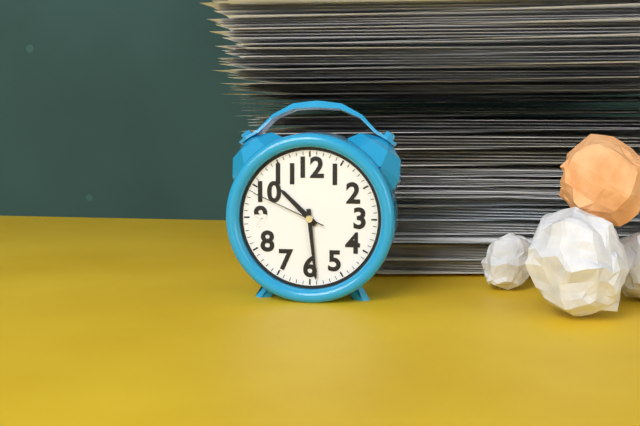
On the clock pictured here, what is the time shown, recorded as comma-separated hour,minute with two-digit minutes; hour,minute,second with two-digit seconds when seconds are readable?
10,29,49
